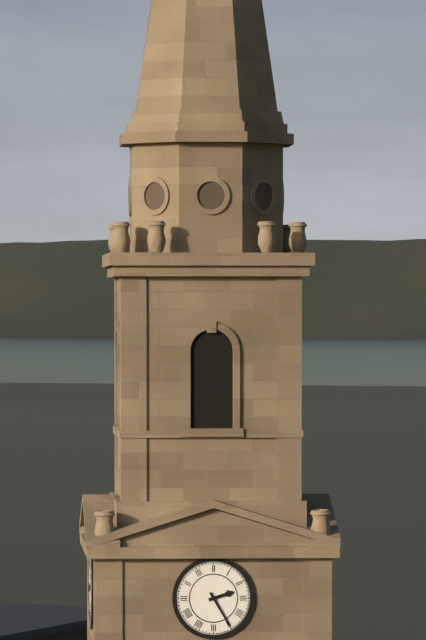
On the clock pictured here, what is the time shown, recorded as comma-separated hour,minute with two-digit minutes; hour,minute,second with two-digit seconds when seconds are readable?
2,25
